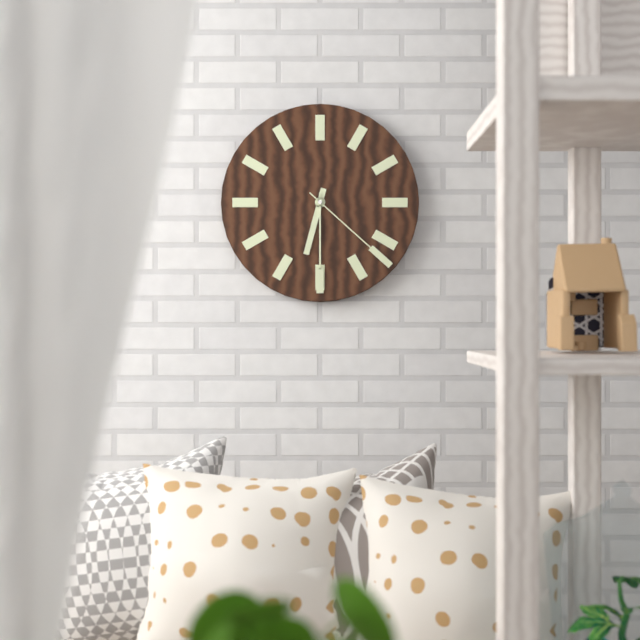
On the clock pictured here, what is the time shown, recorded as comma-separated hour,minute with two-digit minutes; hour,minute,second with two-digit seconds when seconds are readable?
6,30,22
